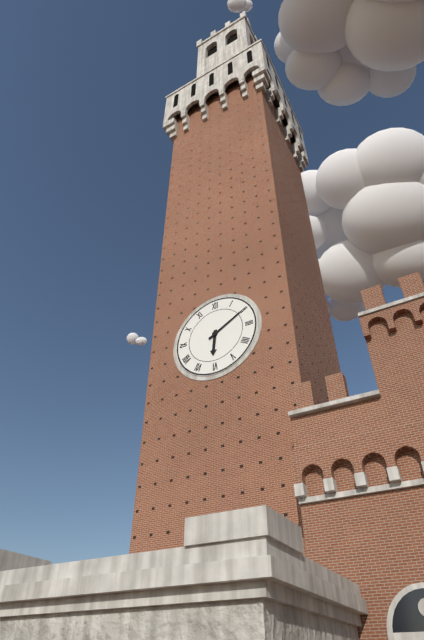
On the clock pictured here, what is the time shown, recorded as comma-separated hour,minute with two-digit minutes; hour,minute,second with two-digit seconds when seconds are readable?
6,10
